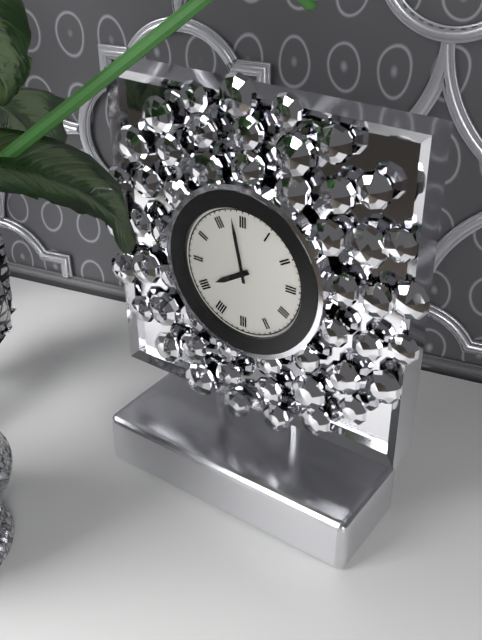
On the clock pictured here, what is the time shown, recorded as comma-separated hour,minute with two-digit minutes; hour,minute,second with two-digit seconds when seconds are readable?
7,58
